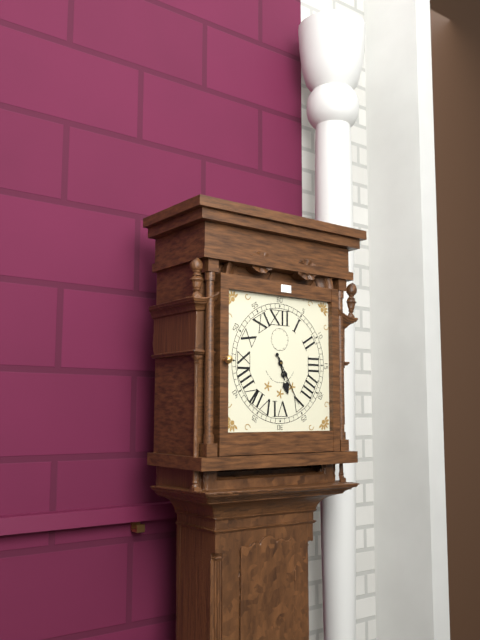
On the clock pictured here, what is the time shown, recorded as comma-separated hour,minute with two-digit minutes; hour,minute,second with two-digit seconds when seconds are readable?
5,25
